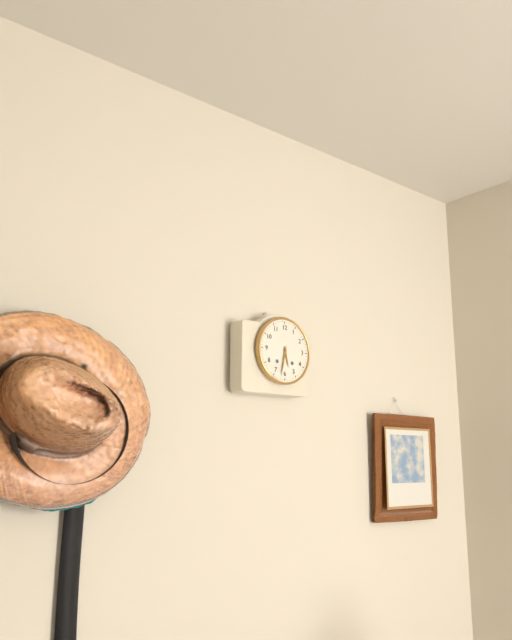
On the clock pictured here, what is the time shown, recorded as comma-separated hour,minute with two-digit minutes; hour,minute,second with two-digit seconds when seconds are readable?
5,32
